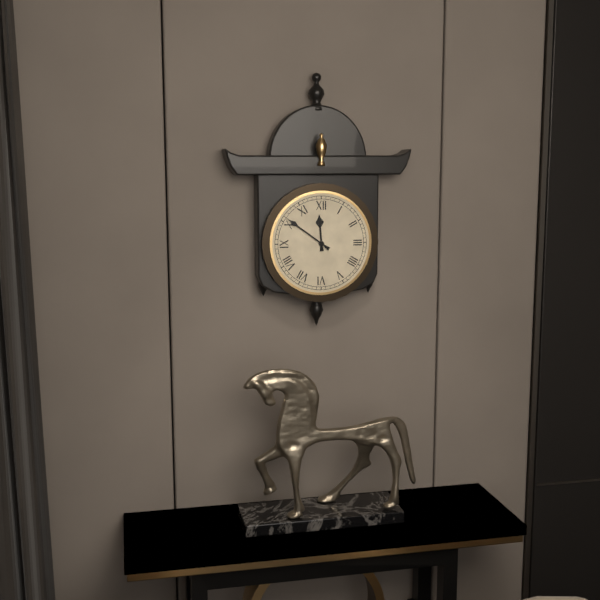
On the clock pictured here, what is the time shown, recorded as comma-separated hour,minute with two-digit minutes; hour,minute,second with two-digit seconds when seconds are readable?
11,51
